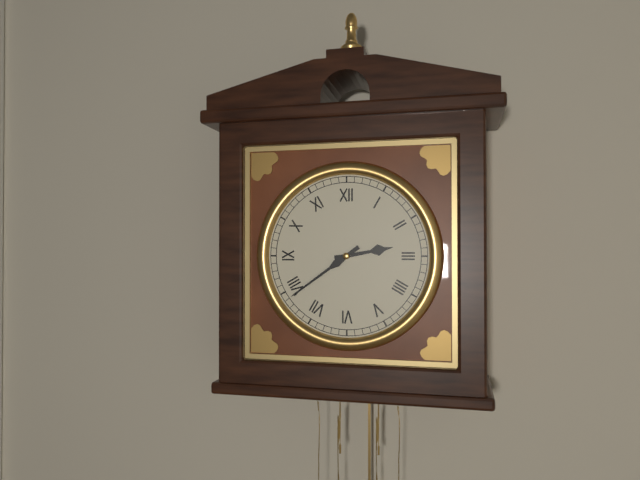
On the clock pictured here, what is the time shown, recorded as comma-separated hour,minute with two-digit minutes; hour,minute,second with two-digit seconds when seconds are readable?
2,39
